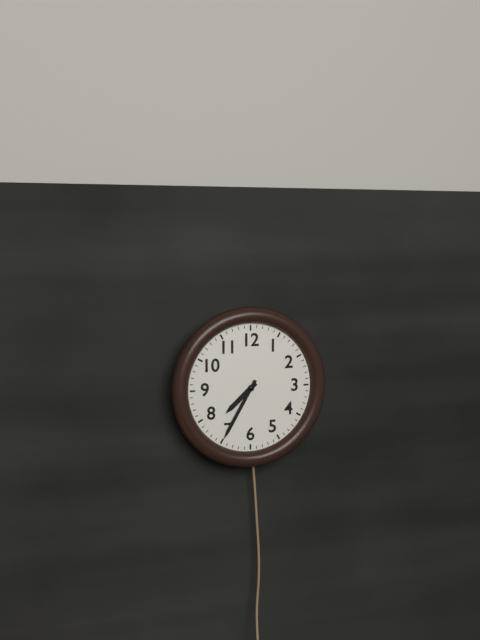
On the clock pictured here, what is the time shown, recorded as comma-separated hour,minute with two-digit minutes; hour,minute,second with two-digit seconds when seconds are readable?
7,35
